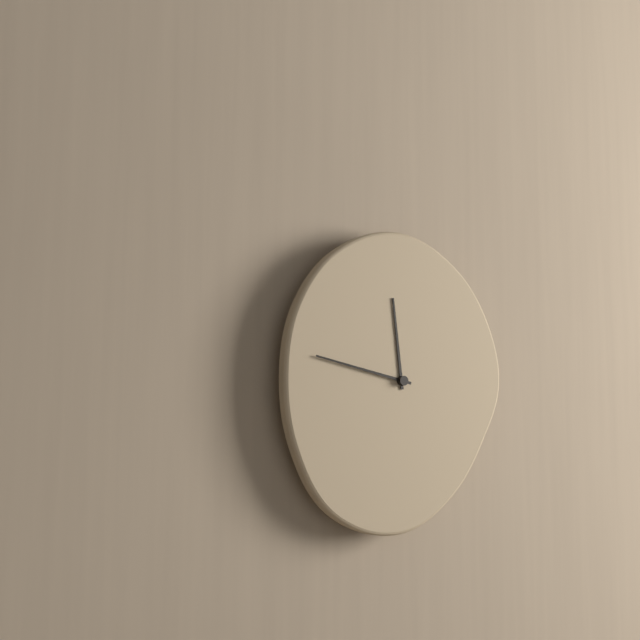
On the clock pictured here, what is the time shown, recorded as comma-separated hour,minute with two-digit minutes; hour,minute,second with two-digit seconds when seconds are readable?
11,47
